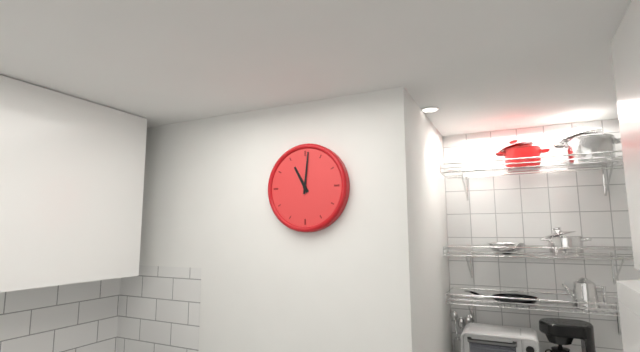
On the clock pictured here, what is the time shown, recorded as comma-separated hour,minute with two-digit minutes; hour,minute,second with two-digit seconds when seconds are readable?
11,01
